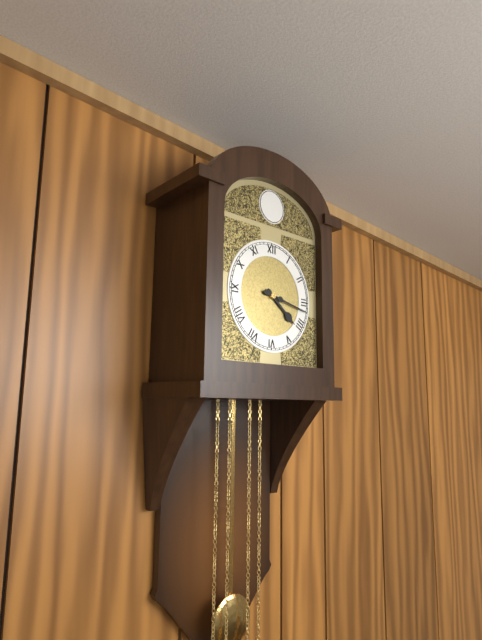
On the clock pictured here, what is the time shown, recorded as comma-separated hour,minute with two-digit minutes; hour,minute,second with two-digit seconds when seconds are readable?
4,17
